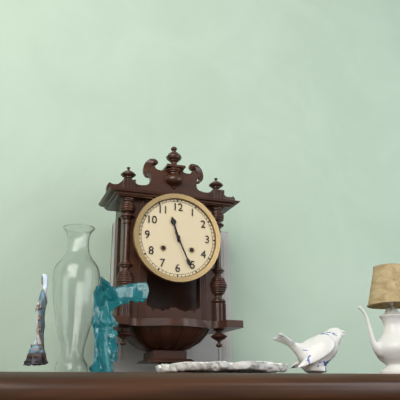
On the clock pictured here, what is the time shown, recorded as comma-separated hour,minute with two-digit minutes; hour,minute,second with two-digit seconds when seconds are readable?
11,26
